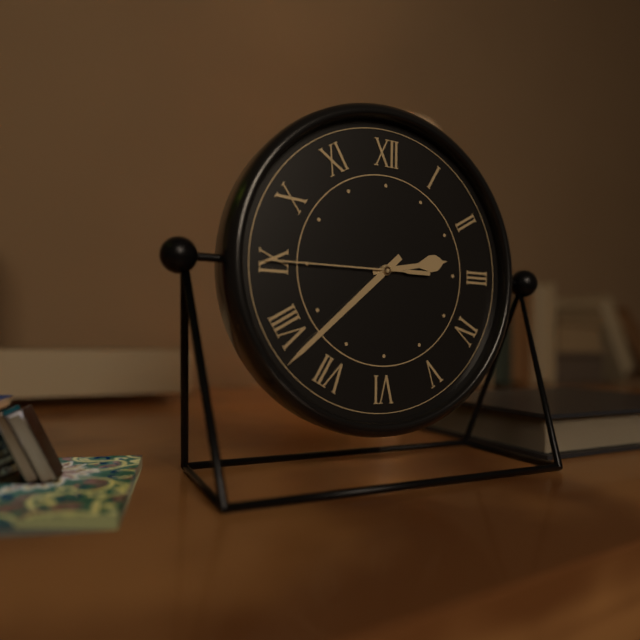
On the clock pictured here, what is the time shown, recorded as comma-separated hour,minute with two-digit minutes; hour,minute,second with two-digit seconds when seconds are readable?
2,38,45
